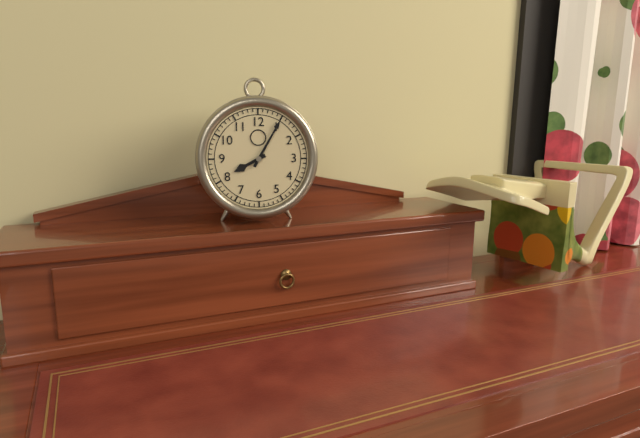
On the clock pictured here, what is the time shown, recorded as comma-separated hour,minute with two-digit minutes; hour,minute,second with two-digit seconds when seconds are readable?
8,05
